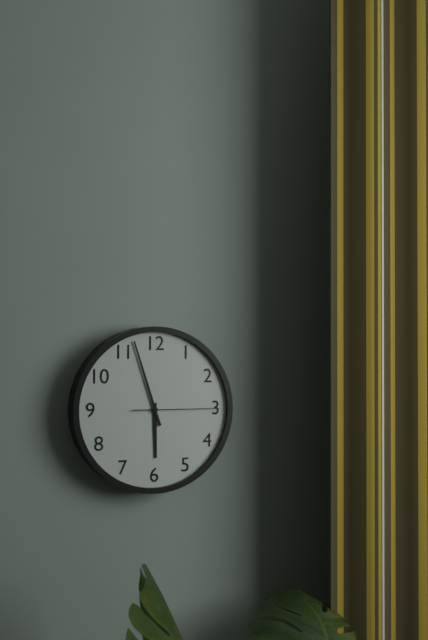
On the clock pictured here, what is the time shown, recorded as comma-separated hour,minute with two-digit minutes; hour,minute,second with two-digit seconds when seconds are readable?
5,57,15
